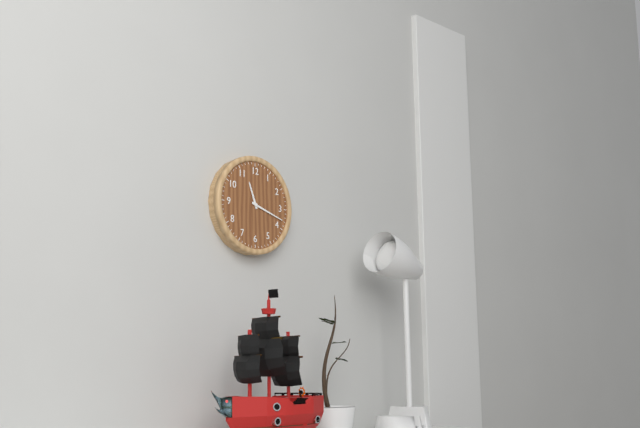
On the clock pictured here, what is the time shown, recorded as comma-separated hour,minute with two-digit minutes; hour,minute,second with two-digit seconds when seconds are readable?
11,18
